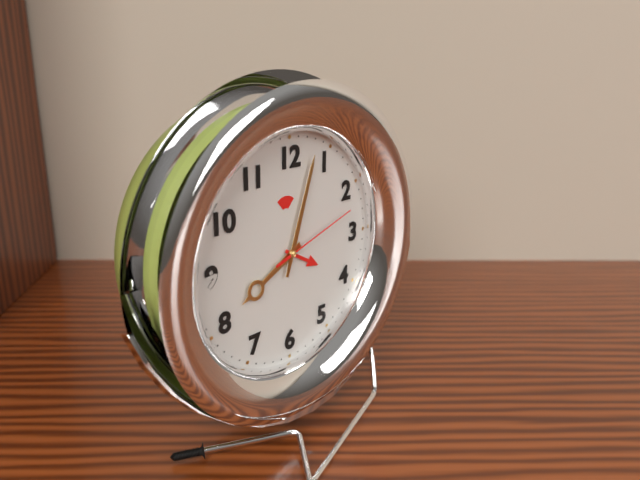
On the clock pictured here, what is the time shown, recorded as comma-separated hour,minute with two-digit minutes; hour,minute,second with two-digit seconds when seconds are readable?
8,03,12
